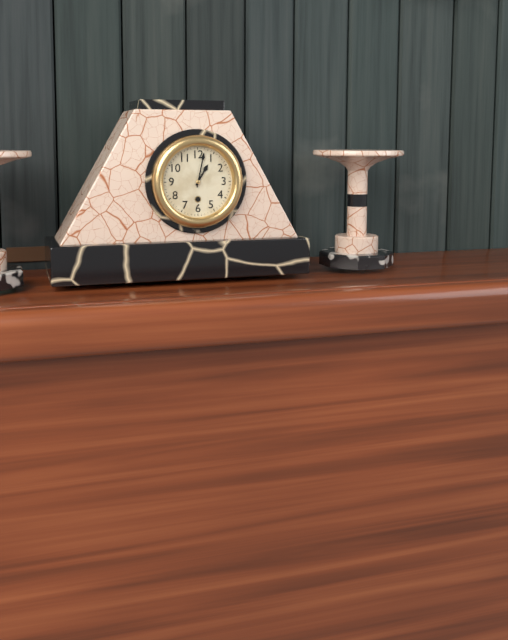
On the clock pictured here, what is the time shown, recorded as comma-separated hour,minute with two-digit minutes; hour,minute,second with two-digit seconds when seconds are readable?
1,02
